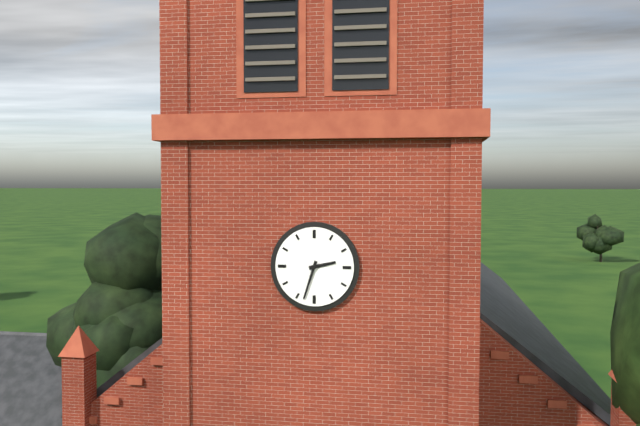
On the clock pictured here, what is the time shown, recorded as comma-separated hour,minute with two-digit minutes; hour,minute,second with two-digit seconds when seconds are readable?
2,33
